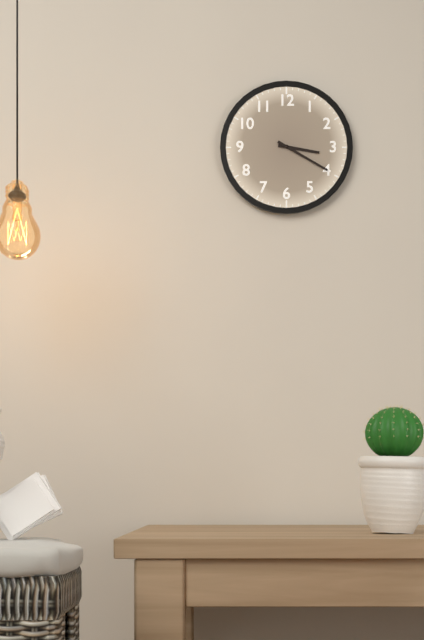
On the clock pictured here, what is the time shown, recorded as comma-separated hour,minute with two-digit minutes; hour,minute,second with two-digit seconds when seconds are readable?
3,20
